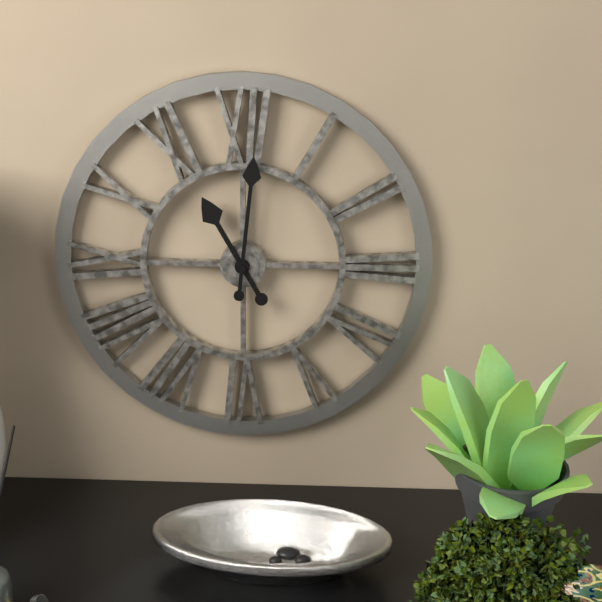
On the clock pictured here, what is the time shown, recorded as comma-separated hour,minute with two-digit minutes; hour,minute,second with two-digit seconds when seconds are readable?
11,01
